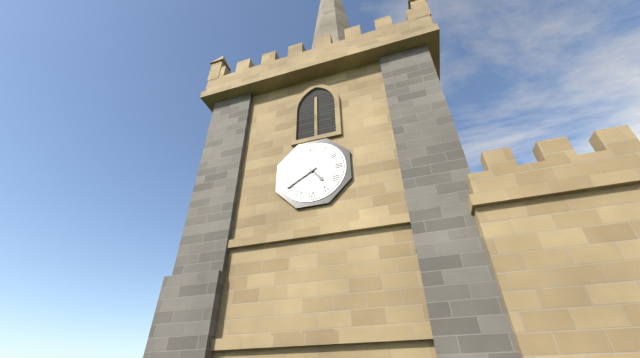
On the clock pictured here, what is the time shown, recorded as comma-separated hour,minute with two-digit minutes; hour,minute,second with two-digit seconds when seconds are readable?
4,40
